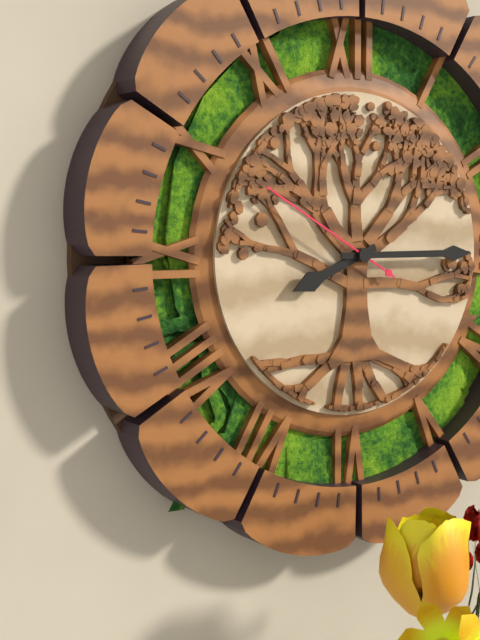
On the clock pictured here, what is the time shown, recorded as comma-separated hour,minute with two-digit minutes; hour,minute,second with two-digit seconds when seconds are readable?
8,15,50
